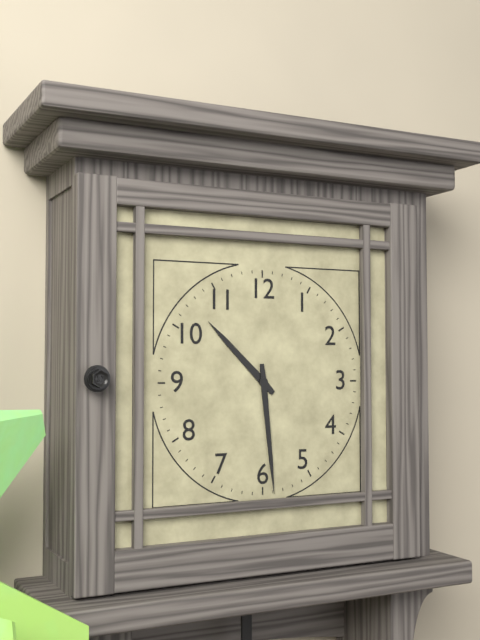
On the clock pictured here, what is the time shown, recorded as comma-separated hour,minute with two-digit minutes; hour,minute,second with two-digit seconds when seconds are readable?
10,29
